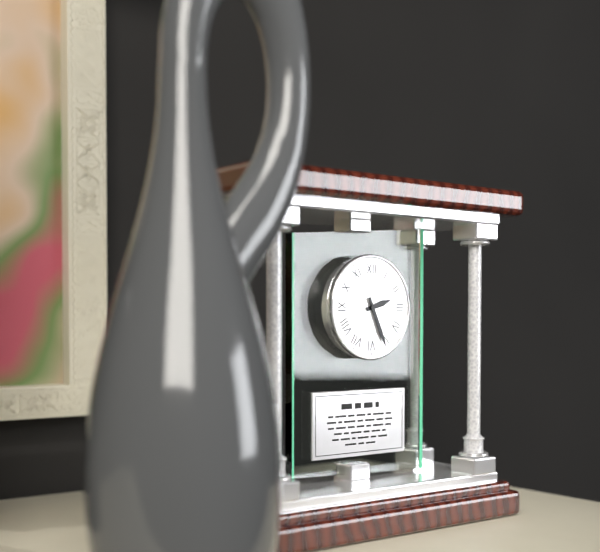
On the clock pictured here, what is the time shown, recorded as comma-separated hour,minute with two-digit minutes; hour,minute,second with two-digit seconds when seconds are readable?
2,26
